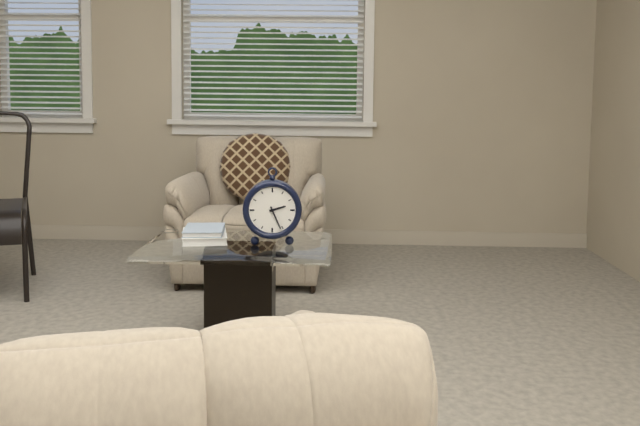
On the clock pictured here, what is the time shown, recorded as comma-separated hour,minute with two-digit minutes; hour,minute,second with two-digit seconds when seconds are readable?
2,26
